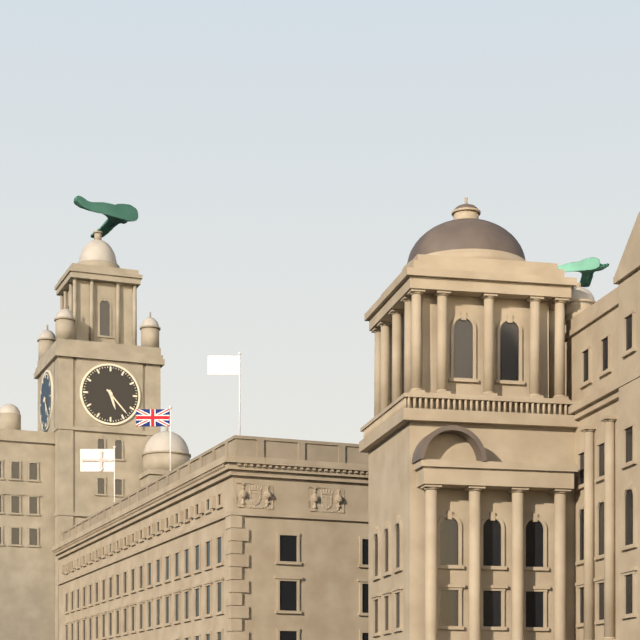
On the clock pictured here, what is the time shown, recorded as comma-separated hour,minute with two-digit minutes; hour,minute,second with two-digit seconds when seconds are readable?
5,23
